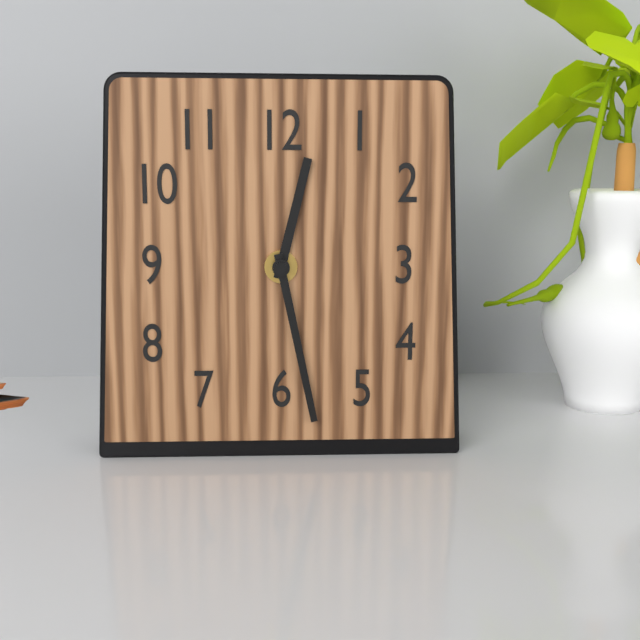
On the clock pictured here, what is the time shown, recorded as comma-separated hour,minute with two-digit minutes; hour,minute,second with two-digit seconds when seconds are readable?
12,28
